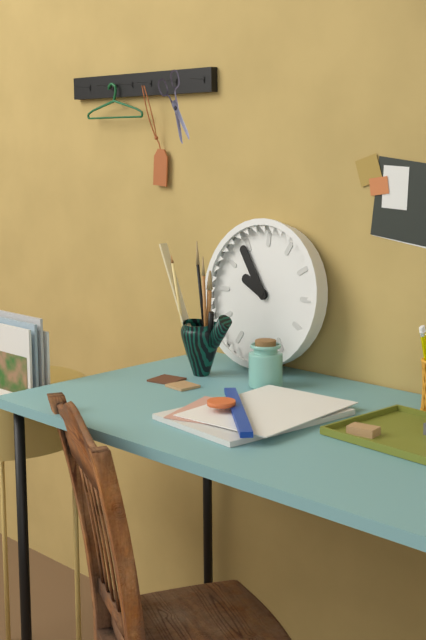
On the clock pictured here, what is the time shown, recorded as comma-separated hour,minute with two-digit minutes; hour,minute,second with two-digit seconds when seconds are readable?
9,54
